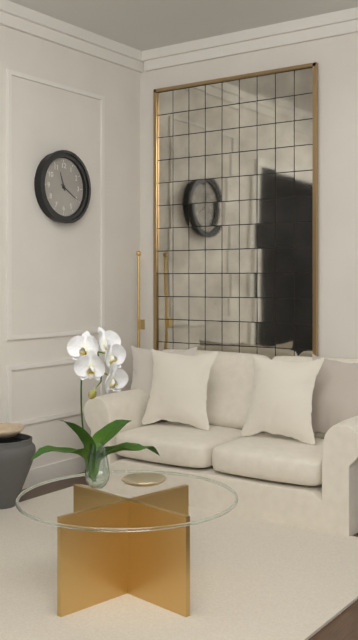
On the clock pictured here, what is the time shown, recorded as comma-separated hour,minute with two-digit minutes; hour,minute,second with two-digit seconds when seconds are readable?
11,20
